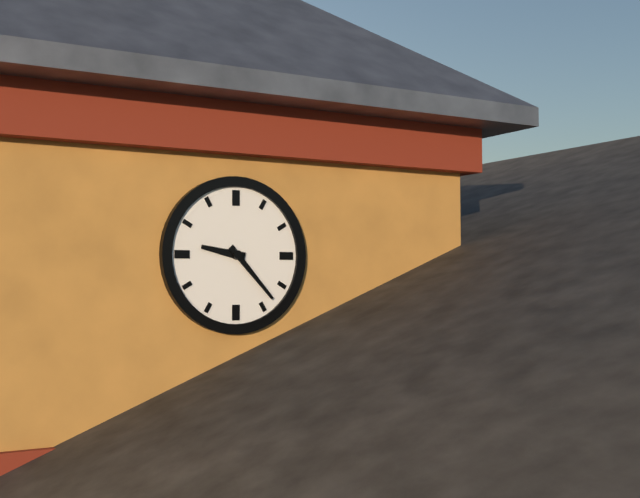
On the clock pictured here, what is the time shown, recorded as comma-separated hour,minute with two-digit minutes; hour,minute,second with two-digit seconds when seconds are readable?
9,23
